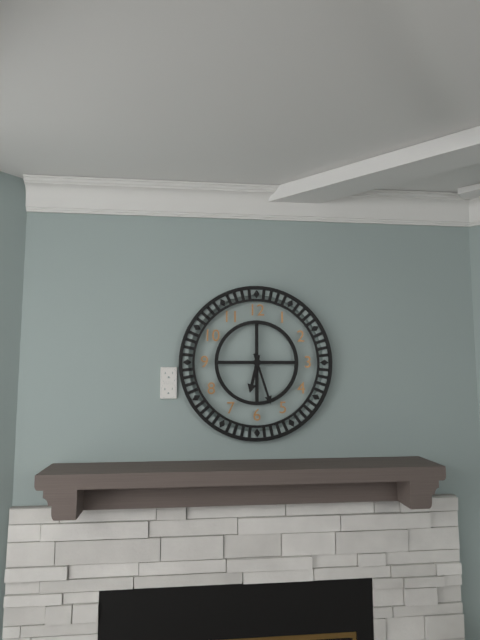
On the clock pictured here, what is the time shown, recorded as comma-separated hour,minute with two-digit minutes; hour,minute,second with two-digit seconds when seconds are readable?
6,27
